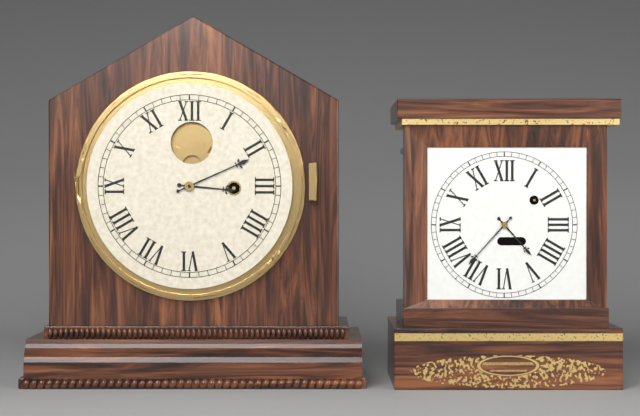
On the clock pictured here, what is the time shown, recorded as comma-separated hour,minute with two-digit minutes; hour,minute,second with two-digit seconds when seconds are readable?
3,11
